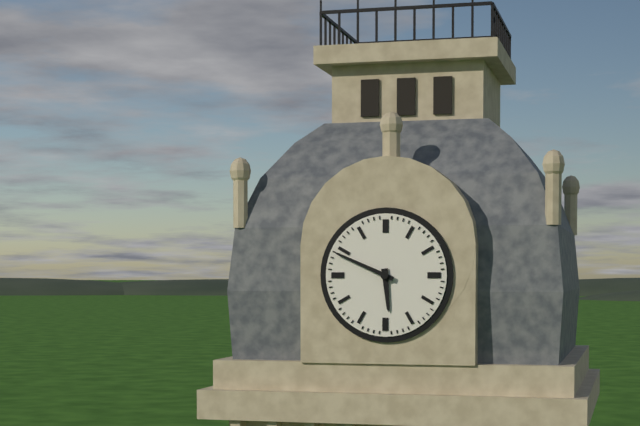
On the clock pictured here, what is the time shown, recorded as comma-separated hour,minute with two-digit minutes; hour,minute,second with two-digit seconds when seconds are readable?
5,49
